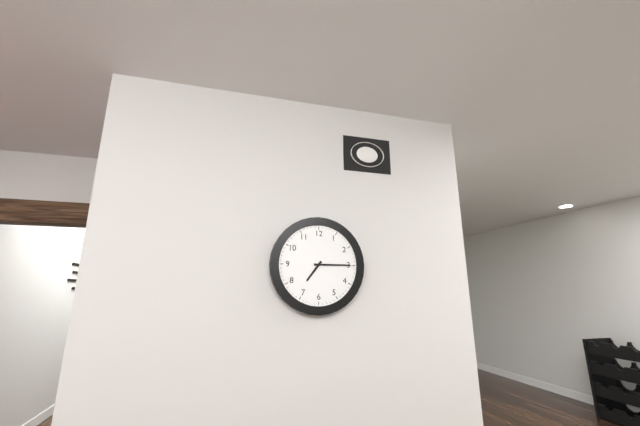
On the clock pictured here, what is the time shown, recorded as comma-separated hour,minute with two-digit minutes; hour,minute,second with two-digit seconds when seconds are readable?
7,15
